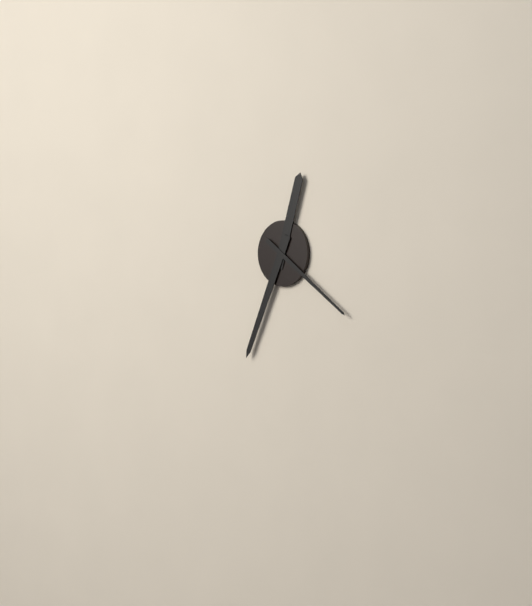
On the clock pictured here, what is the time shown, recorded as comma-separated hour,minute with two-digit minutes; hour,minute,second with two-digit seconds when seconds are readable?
12,34,21
